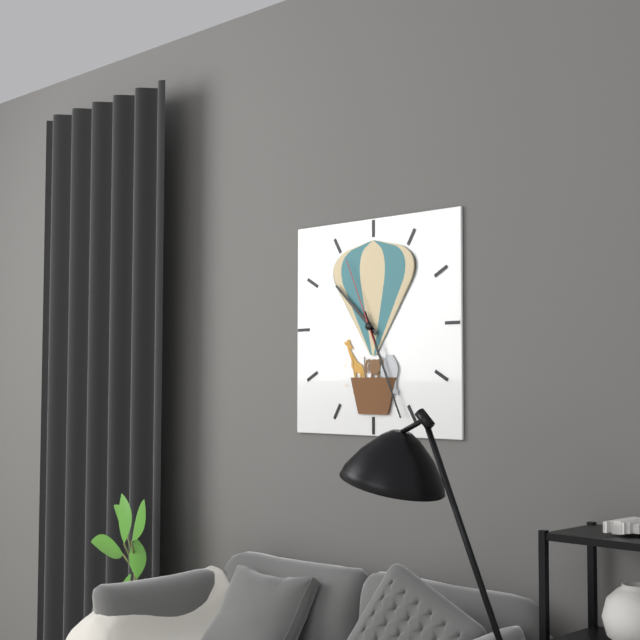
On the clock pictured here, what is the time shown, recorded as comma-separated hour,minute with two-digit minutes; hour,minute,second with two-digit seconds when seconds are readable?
10,26,56
